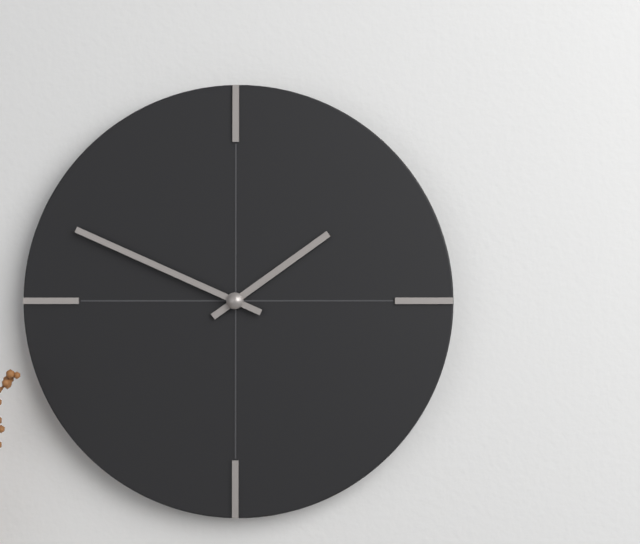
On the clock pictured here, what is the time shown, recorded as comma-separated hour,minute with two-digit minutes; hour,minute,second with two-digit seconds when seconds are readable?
1,49
